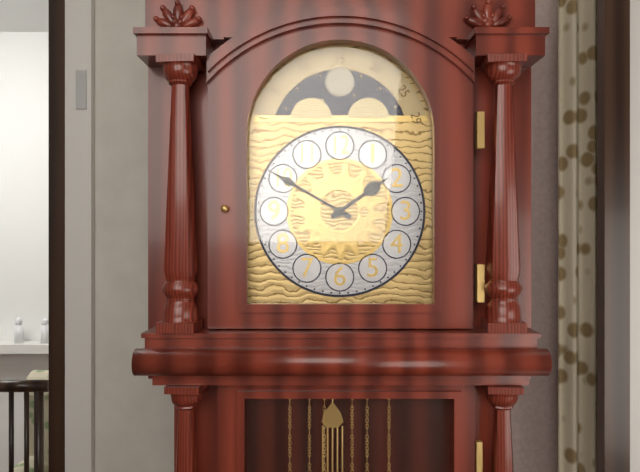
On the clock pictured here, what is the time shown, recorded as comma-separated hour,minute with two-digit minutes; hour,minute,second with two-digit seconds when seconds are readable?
1,50
